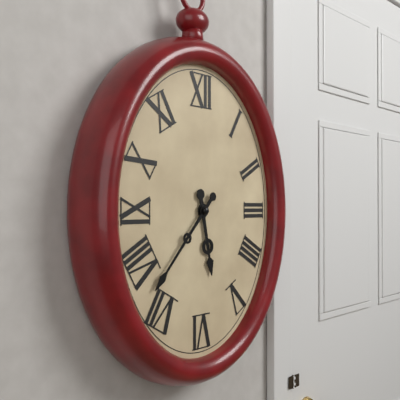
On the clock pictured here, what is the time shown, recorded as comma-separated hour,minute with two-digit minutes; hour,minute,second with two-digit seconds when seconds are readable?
5,37
